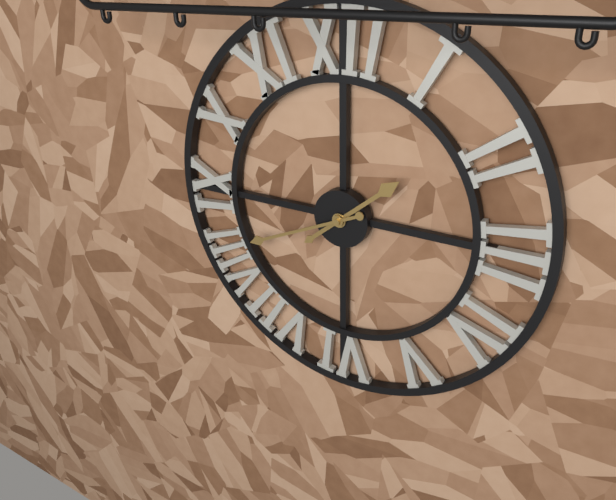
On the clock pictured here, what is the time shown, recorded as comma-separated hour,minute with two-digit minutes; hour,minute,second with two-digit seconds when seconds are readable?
1,41
